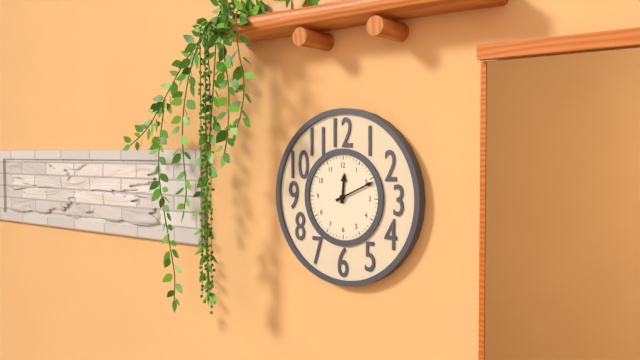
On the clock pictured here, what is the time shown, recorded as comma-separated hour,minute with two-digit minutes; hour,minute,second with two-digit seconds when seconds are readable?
12,11
